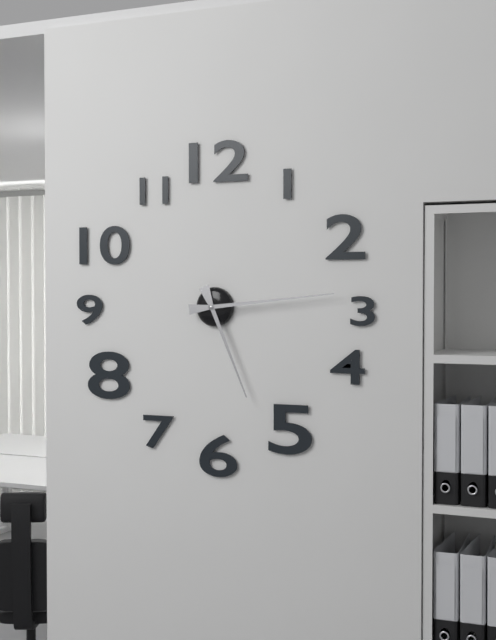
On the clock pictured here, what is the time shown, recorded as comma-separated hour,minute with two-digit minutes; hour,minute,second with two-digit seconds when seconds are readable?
5,14
